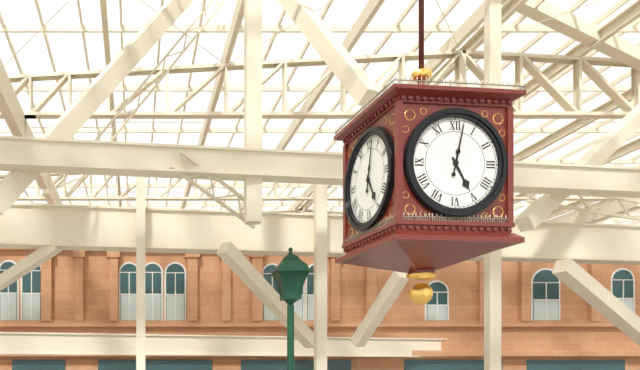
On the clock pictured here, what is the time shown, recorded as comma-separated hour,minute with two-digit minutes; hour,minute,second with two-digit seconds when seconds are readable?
5,02
